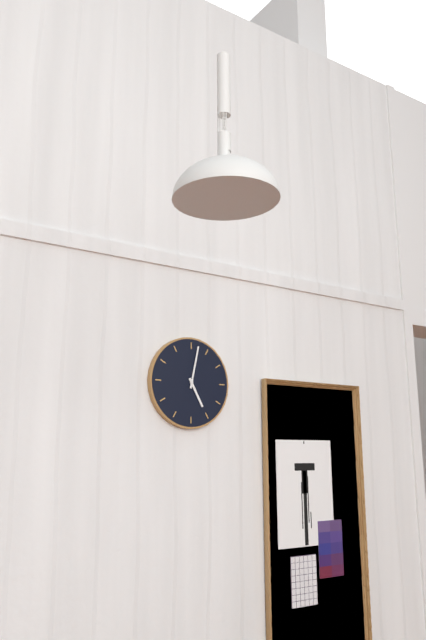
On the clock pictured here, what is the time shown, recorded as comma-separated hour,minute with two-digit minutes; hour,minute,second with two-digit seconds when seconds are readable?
5,02
